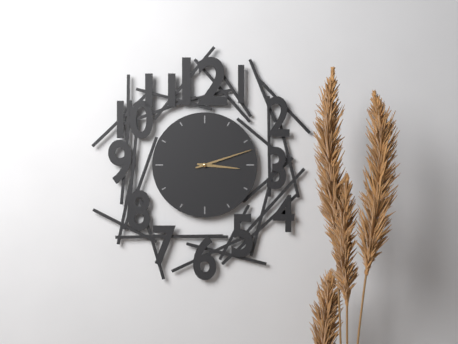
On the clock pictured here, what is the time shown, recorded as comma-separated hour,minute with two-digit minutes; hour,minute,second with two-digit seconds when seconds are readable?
3,12
